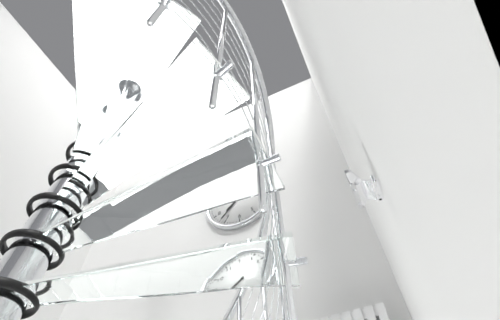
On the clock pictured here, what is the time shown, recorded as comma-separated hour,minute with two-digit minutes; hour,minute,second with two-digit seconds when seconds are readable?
7,37
